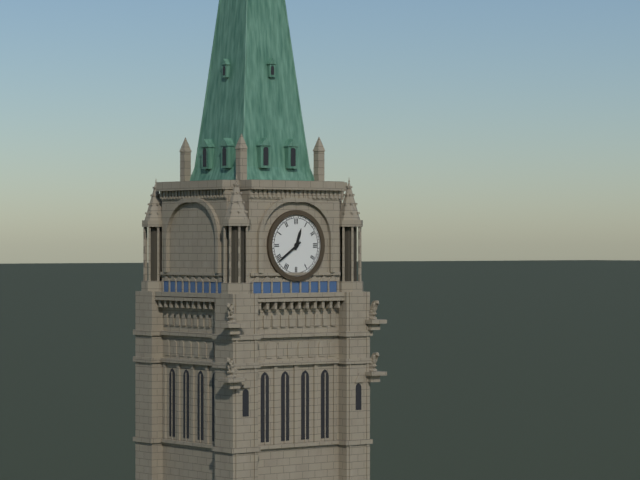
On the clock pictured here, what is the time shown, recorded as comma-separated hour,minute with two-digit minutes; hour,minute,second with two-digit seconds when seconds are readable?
12,39
